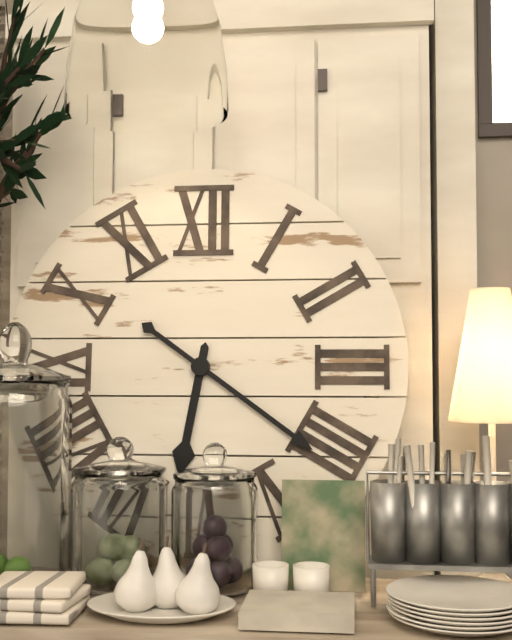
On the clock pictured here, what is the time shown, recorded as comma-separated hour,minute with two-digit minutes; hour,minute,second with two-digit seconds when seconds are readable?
6,21
